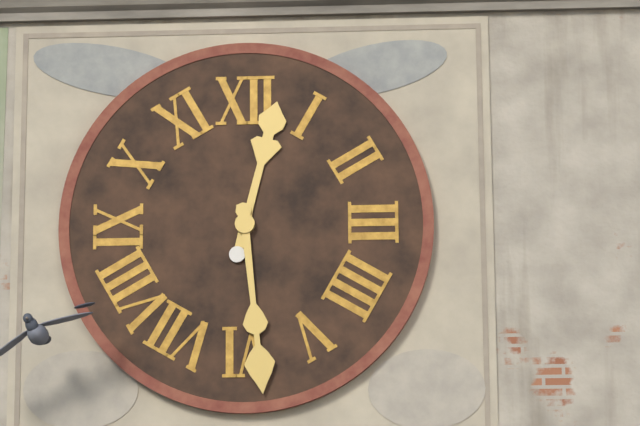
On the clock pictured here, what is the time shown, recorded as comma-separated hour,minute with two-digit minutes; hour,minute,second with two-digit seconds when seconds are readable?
12,29
